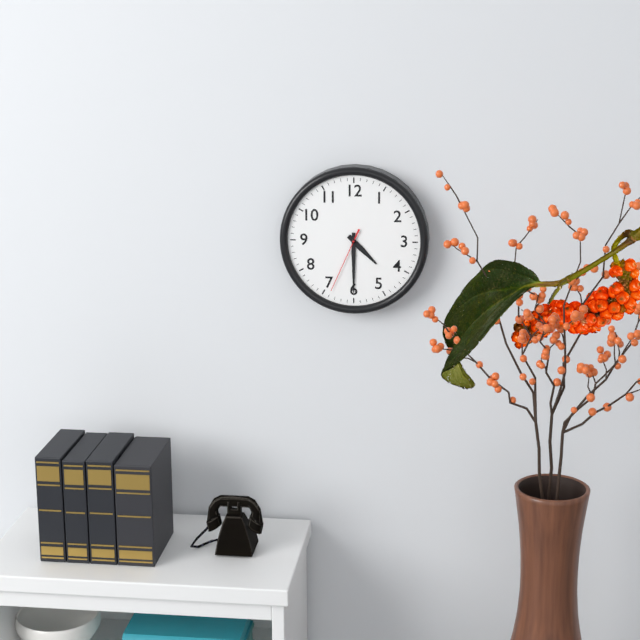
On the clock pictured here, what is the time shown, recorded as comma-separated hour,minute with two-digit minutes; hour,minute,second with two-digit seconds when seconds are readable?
4,30,34
